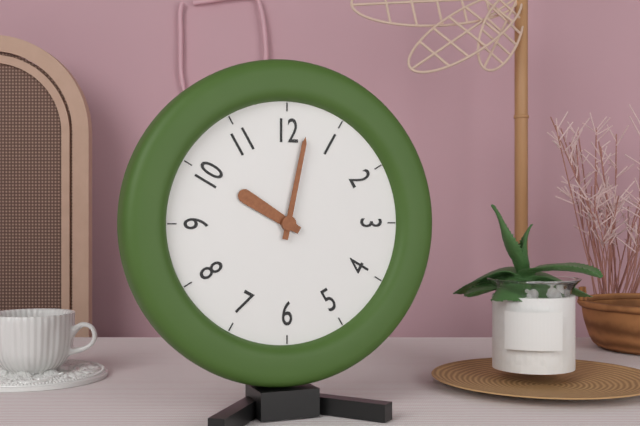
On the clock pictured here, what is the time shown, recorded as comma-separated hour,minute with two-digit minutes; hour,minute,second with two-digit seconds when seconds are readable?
10,02
